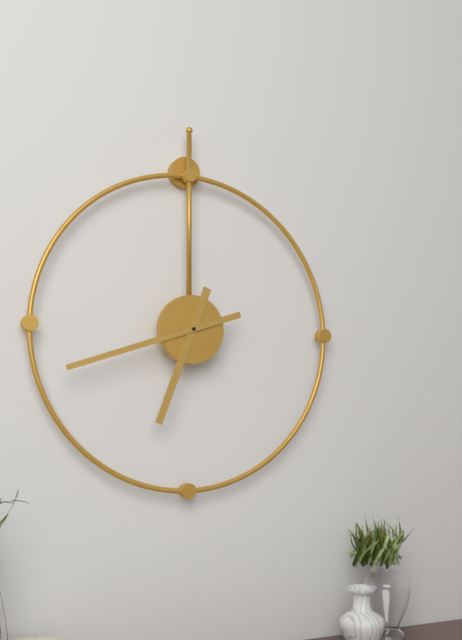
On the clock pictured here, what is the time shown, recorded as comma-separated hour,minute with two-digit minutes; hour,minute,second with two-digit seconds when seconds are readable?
6,42
